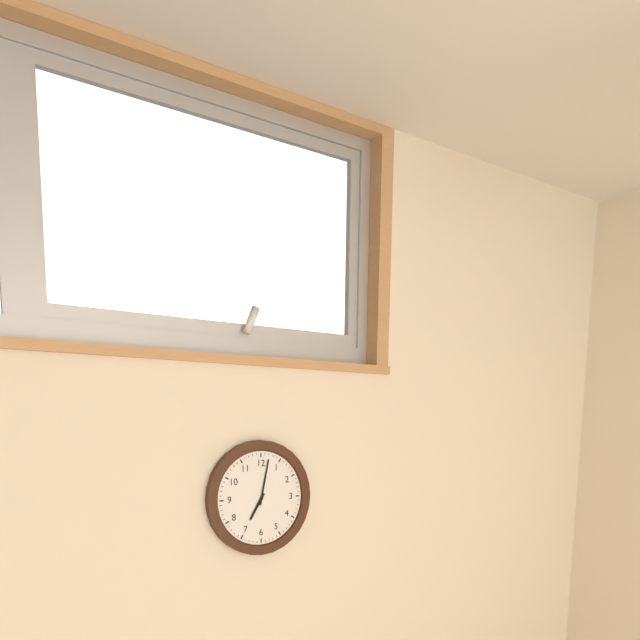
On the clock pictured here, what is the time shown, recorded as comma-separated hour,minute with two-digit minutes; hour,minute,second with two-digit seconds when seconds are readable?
7,02
